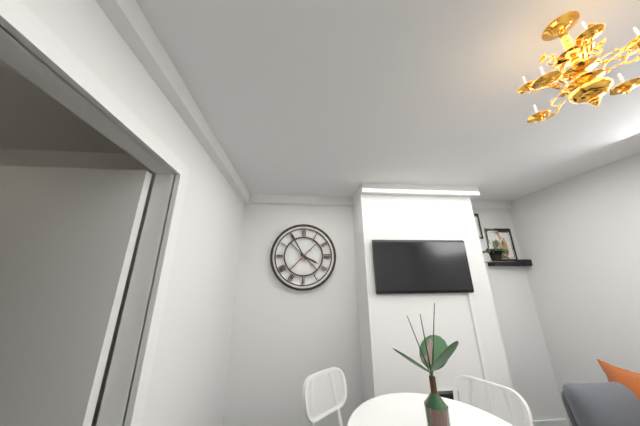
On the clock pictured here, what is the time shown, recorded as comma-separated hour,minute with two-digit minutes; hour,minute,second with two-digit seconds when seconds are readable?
3,55
